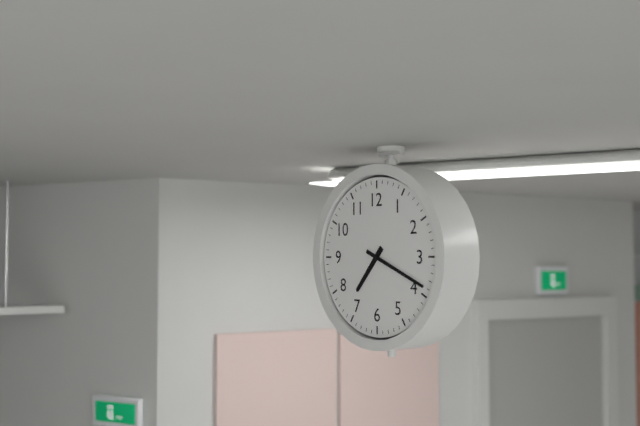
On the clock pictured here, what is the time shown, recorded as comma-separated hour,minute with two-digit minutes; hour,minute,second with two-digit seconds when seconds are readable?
7,19
